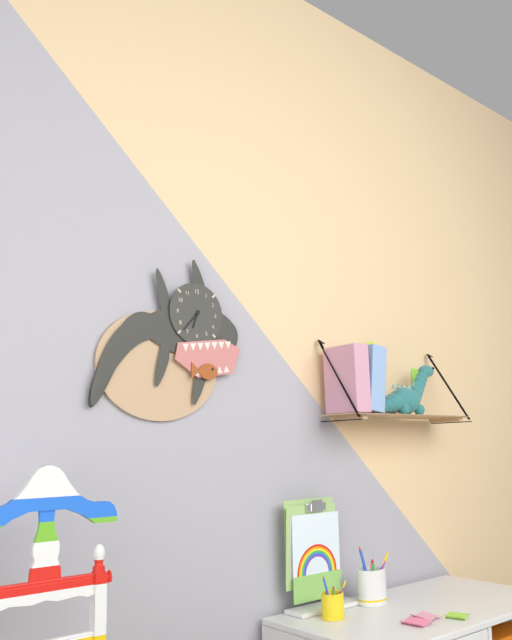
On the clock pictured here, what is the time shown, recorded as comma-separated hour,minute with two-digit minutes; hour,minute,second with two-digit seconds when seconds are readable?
6,37
